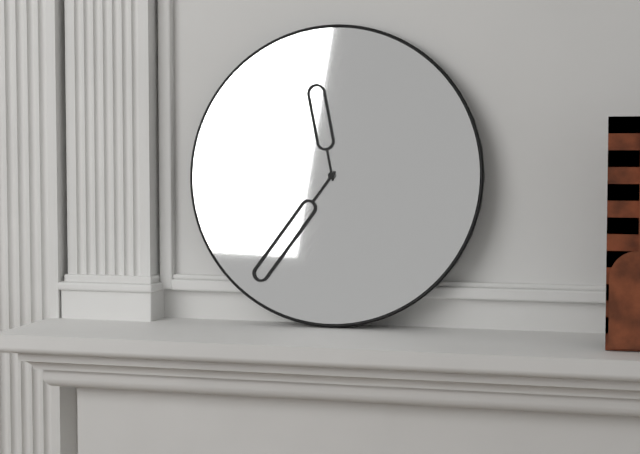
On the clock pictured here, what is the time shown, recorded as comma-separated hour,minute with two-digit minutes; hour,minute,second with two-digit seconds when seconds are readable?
11,36
